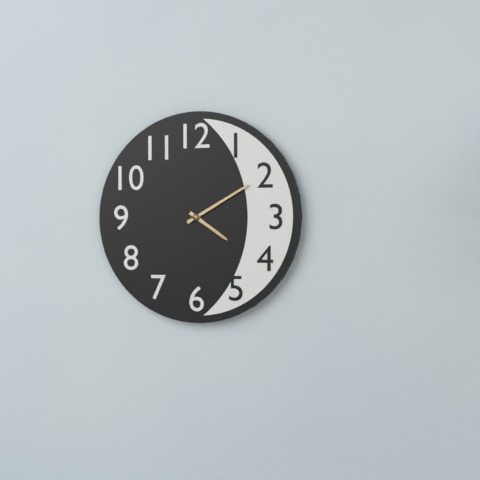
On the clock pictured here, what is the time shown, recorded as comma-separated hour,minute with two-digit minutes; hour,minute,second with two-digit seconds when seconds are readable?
4,10
